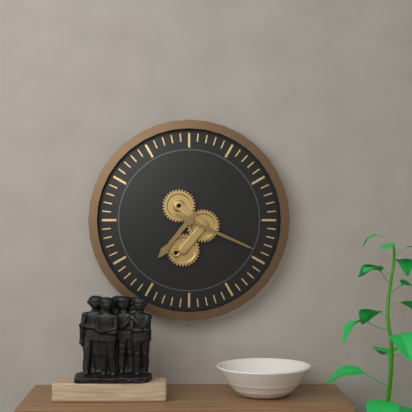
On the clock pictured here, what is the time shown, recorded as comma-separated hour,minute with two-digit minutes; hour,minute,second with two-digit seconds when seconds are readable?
7,19
